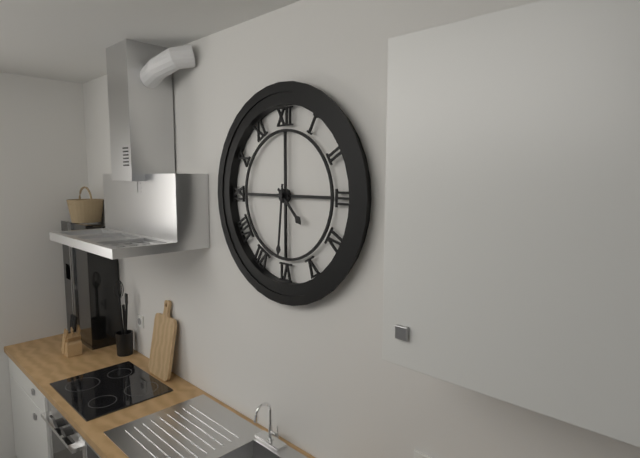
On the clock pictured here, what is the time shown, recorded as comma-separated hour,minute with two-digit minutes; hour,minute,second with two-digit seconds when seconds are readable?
4,31
